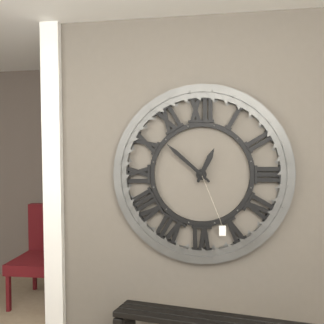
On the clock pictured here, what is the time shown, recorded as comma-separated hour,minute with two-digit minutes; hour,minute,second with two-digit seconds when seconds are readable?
12,52
